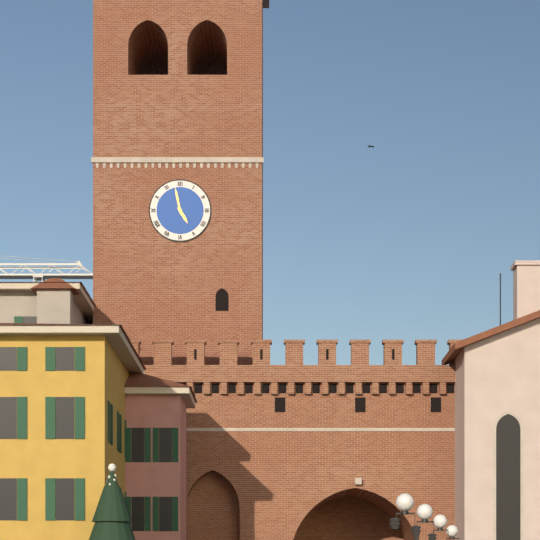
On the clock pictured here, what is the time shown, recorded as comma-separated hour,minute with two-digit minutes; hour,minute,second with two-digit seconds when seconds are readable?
4,58
